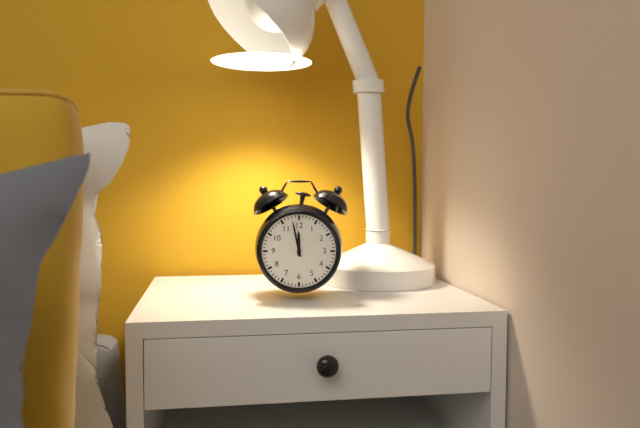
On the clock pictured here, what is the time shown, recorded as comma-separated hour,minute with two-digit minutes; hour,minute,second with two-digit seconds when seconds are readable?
11,58
